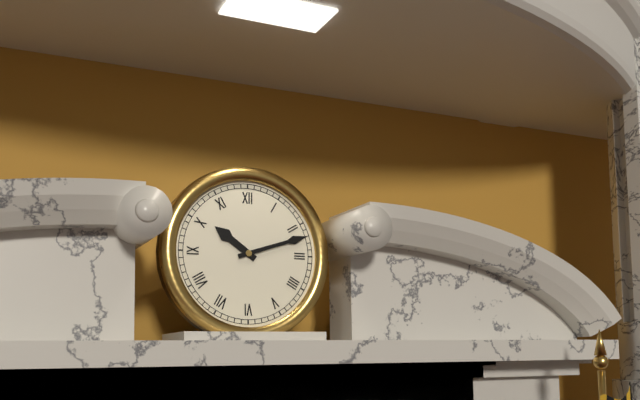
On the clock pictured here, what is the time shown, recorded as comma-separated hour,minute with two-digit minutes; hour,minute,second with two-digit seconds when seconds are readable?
10,12
